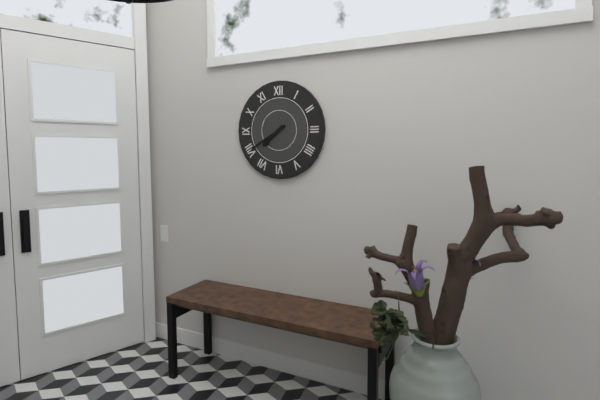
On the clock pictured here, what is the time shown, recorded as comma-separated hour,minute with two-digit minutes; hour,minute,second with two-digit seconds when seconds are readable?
7,40
